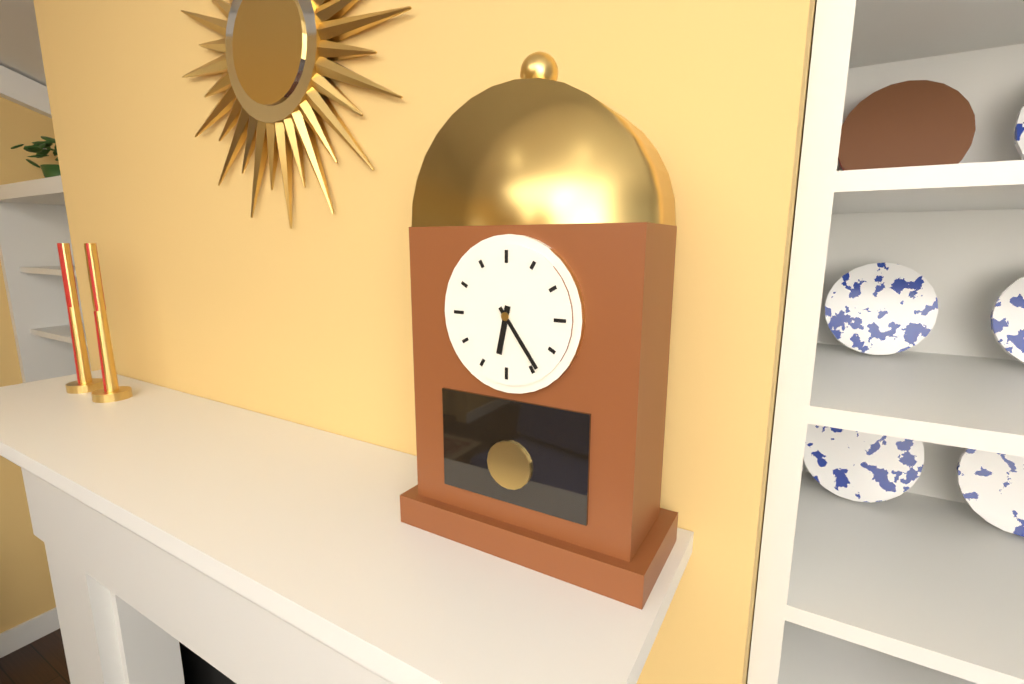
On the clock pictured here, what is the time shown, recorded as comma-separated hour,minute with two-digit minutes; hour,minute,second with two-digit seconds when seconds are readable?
6,24
